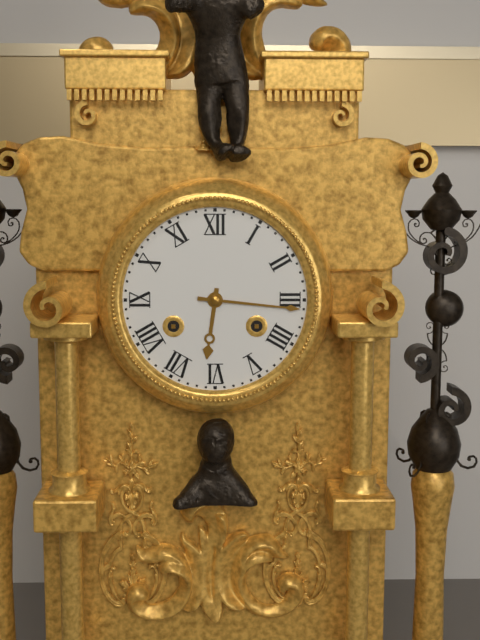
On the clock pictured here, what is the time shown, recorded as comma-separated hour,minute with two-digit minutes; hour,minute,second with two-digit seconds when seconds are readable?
6,16
